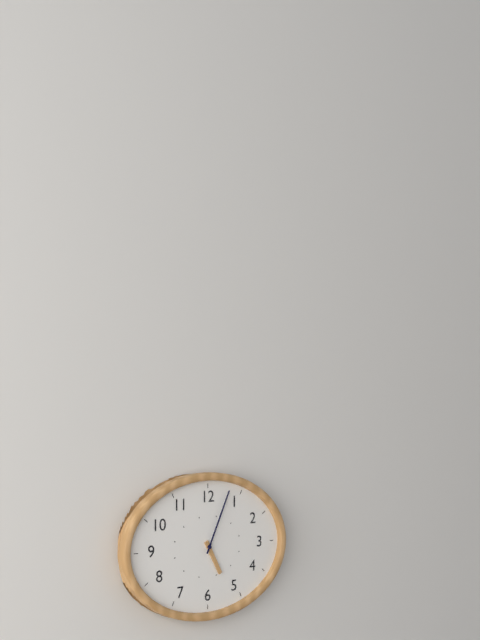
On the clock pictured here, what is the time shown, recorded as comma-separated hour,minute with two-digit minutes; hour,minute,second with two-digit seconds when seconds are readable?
5,04
